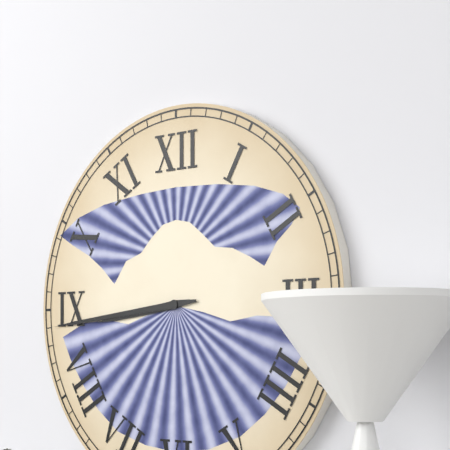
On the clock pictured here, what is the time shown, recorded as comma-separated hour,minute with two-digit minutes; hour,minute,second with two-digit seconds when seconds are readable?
8,44
